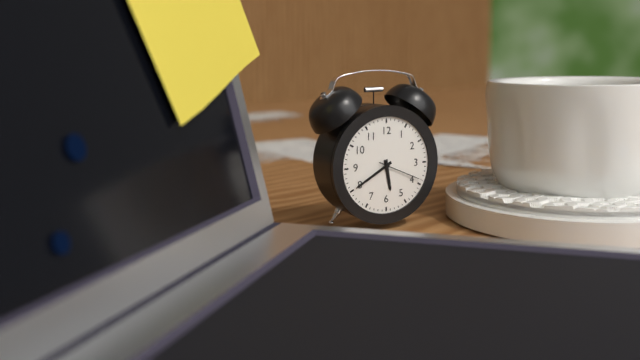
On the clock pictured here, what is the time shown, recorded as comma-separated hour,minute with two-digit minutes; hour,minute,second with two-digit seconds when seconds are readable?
5,40
